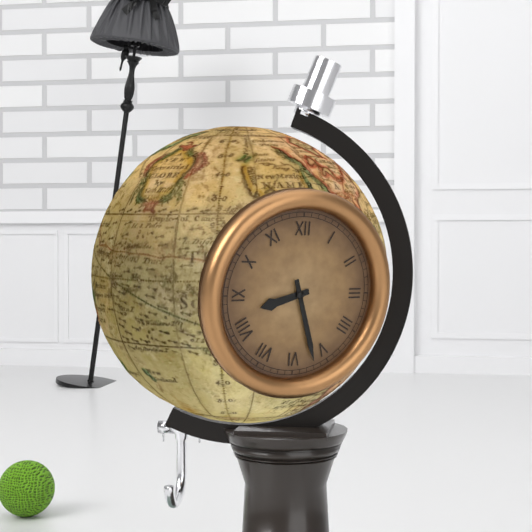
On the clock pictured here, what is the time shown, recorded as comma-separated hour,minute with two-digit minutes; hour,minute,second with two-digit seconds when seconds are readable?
8,27
